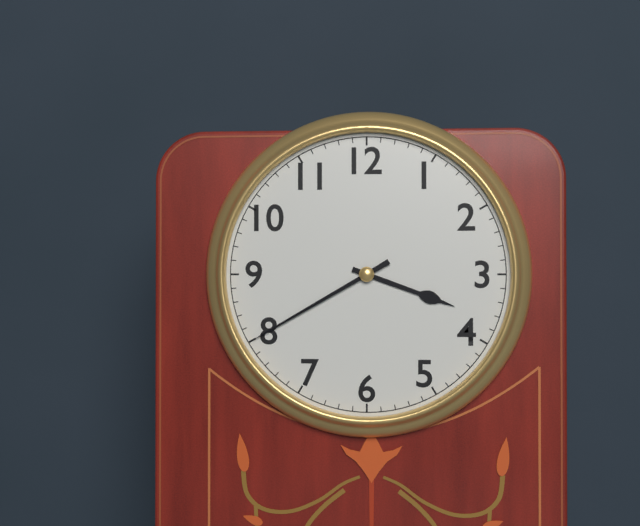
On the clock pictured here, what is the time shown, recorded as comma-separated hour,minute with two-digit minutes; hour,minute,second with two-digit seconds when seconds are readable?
3,40
